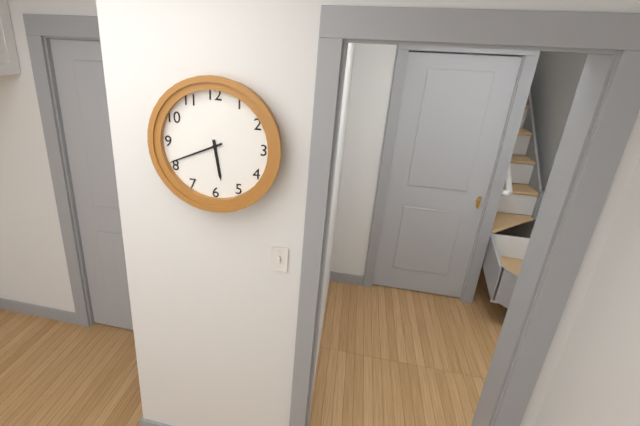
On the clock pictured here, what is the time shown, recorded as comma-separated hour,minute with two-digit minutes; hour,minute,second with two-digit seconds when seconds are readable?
5,41
